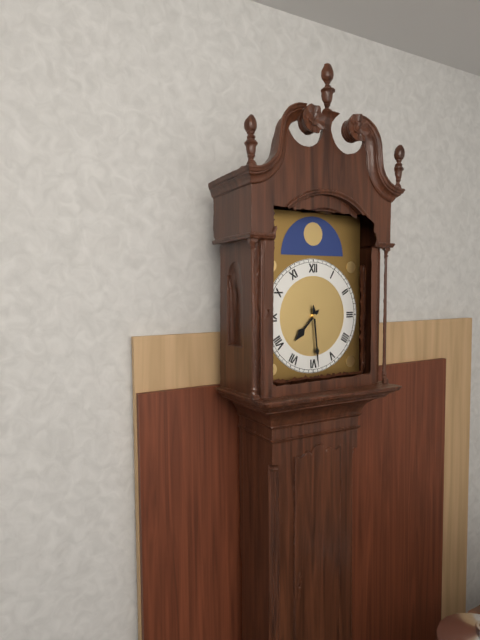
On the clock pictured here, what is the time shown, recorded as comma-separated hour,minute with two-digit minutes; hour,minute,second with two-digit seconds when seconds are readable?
7,29
